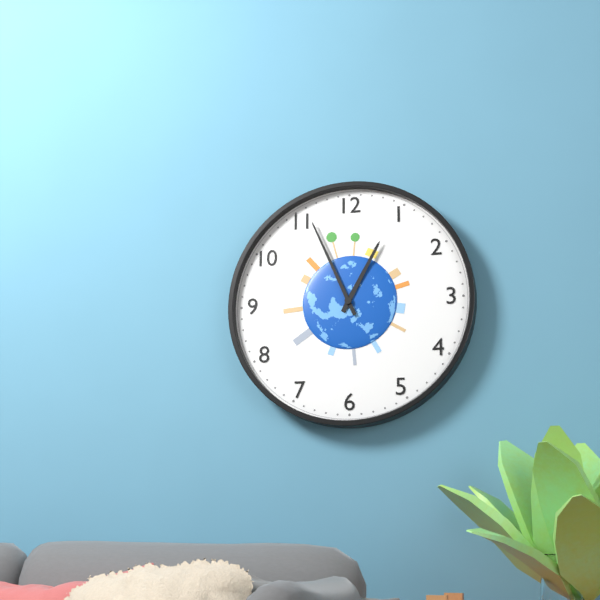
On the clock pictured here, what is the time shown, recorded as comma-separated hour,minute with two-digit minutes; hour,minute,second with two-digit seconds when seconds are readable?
12,56
